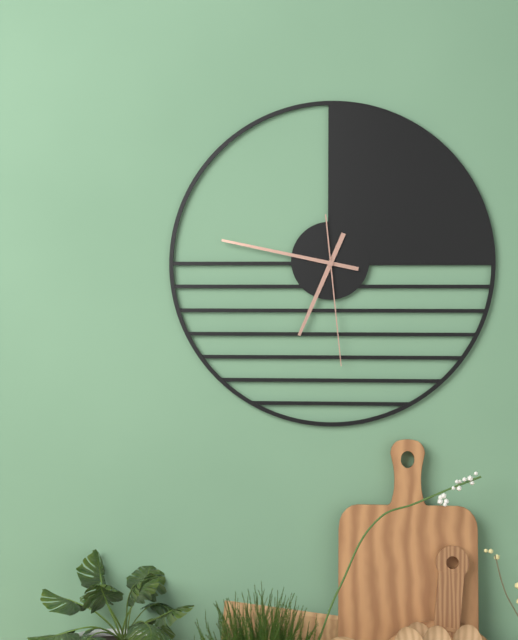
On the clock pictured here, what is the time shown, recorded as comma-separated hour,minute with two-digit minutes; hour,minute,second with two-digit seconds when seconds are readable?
6,47,29
